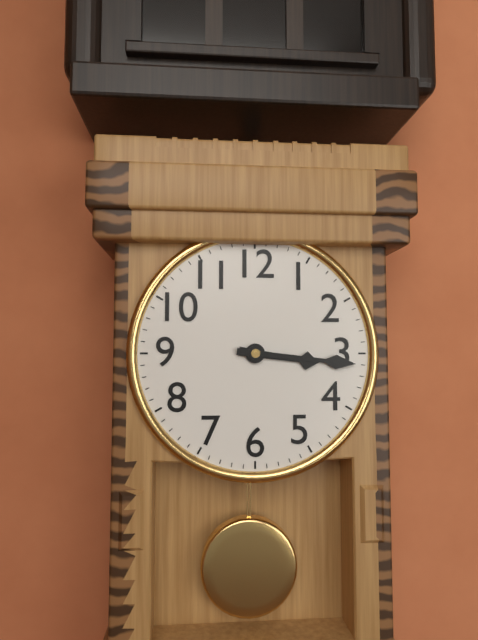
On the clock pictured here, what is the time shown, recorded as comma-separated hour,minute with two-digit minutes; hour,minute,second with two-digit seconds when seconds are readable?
3,16
